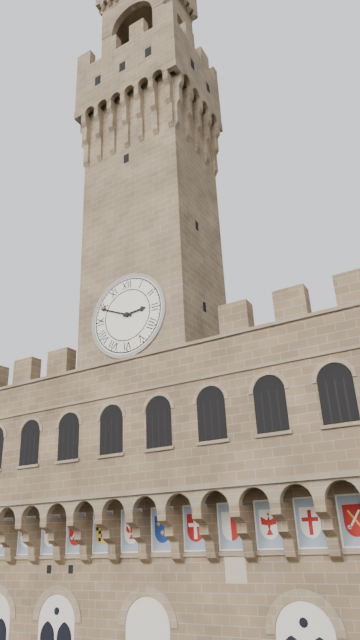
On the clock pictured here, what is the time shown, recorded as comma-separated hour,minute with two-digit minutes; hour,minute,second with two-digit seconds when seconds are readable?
2,49
